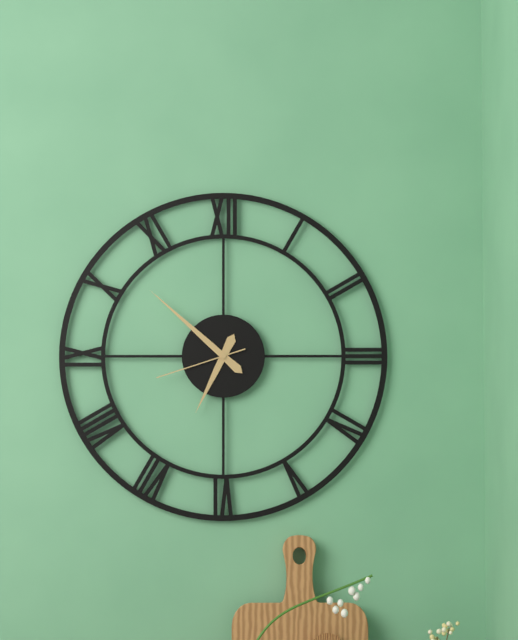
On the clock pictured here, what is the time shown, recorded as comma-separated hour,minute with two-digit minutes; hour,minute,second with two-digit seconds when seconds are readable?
6,52,42
